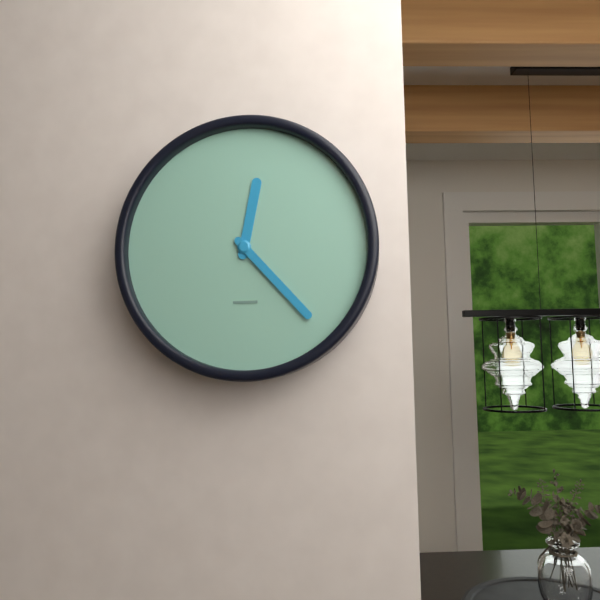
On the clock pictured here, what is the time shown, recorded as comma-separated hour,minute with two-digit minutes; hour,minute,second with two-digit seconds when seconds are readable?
12,23
